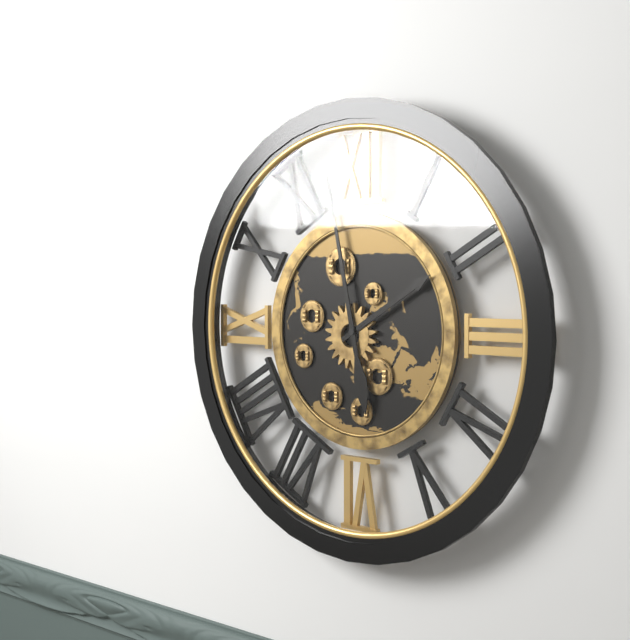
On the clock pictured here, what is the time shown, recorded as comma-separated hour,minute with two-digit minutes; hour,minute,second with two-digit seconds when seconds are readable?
1,58
